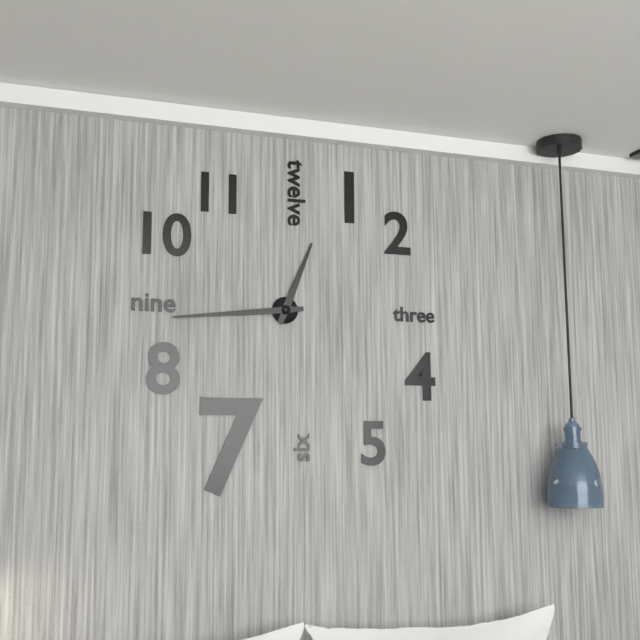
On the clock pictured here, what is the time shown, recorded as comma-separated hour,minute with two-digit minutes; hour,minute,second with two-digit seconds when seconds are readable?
12,44
